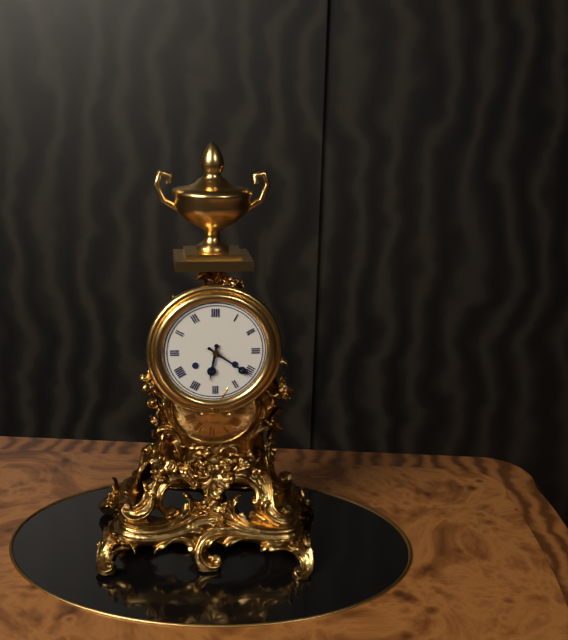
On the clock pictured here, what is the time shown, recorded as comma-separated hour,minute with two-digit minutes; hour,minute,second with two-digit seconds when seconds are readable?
6,21
